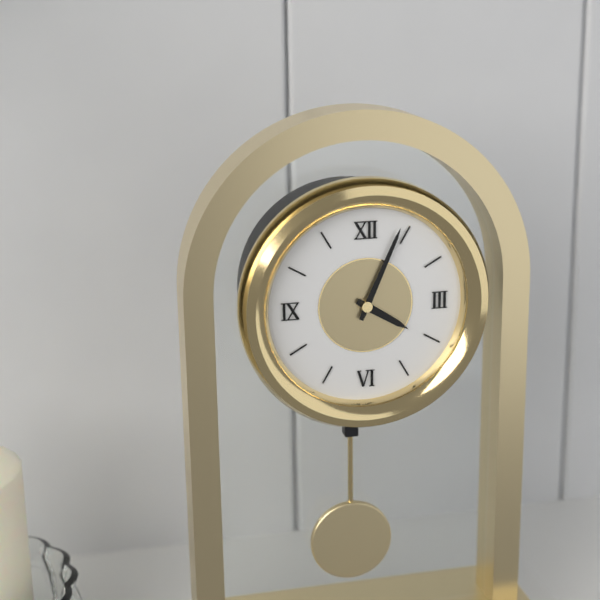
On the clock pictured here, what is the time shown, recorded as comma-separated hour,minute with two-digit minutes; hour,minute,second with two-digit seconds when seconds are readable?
4,04
